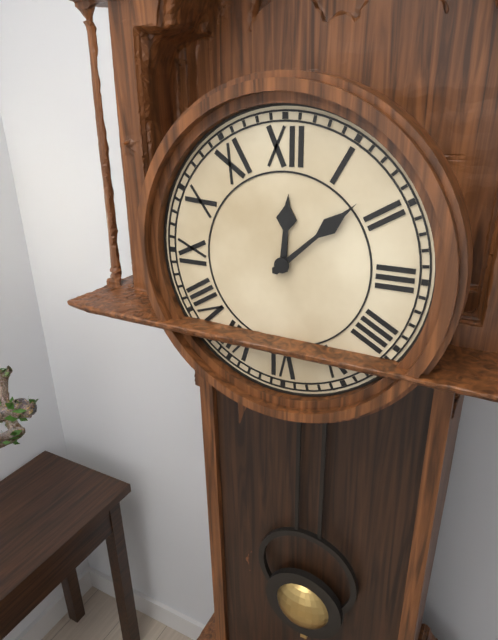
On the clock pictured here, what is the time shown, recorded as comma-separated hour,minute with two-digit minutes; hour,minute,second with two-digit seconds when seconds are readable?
12,08
